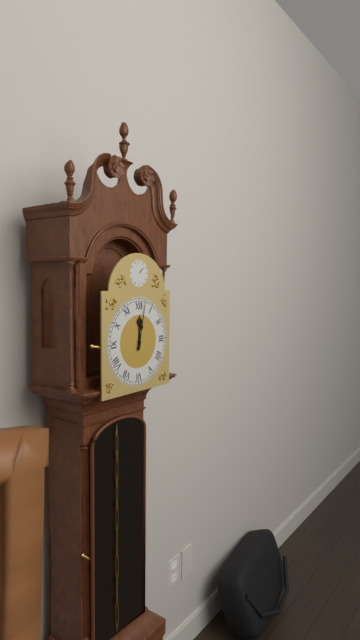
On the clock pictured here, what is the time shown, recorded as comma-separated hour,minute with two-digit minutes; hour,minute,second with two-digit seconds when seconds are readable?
12,02
